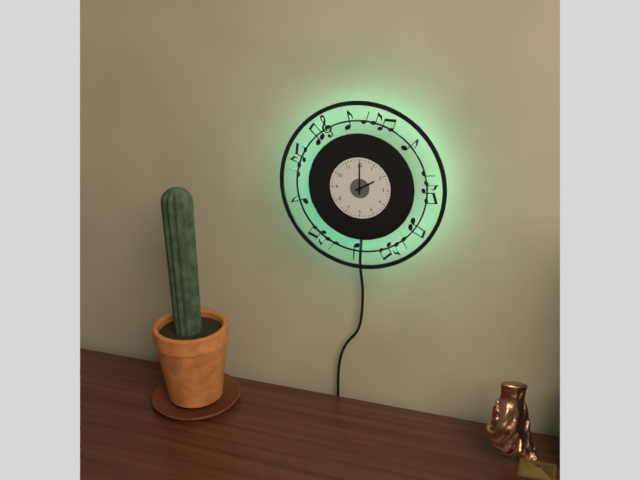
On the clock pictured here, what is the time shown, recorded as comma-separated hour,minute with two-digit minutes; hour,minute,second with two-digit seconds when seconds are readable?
2,00
